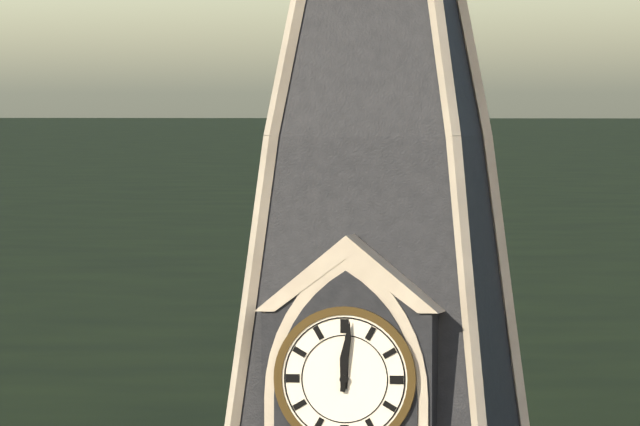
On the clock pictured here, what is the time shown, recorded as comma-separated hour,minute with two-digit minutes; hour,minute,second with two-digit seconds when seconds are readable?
12,01
